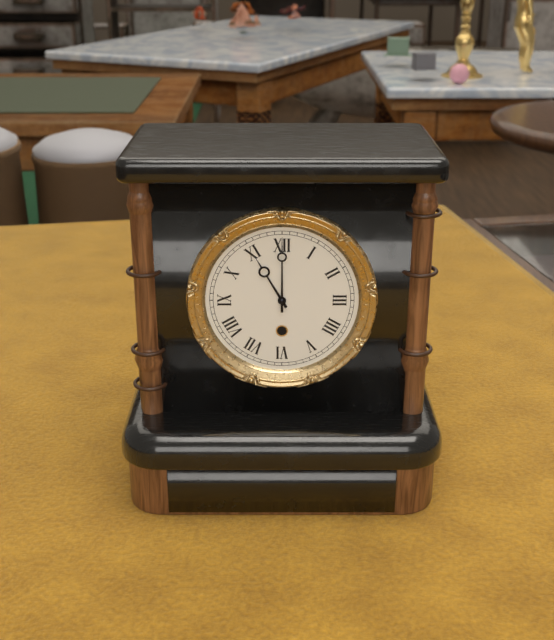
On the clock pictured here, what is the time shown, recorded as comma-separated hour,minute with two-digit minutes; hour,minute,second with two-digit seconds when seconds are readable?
11,00
